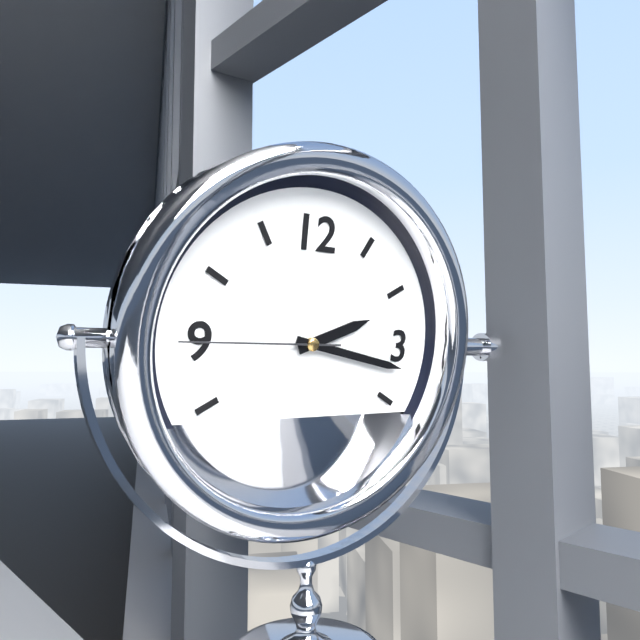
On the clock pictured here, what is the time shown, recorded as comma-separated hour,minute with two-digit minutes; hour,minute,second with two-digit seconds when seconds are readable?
2,17,45
